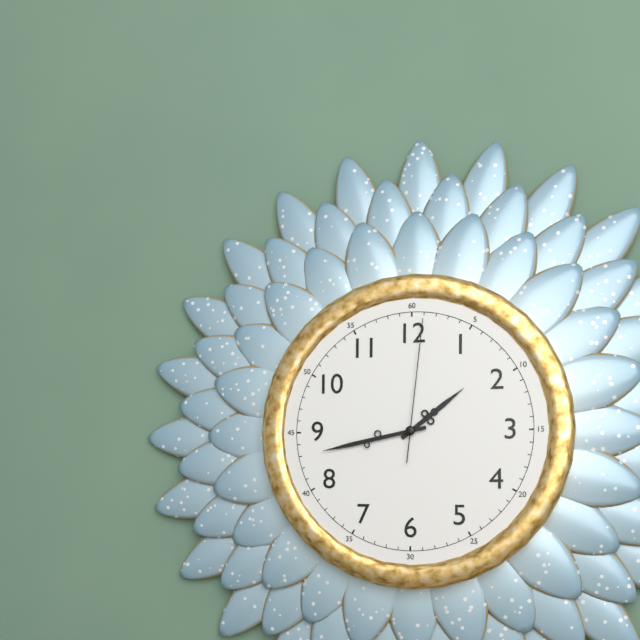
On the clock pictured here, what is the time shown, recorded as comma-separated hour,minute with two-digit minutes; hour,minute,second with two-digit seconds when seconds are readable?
1,43,01
